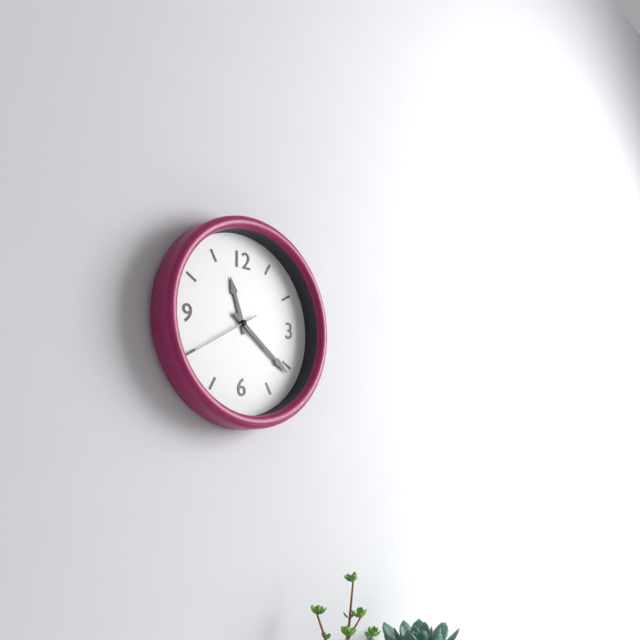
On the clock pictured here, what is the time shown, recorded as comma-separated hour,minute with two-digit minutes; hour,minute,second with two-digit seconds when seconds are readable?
11,21,40
